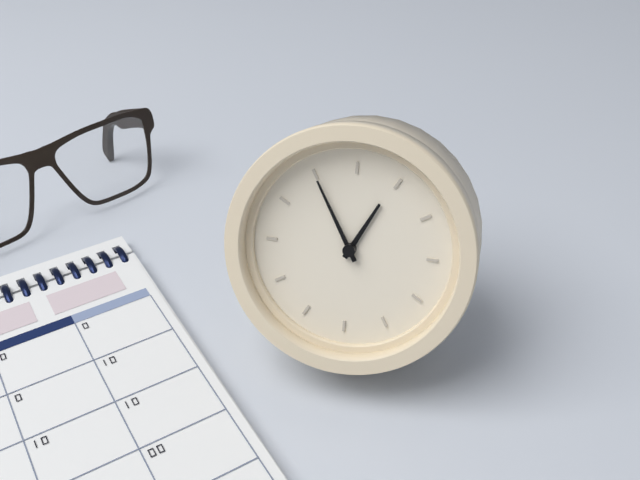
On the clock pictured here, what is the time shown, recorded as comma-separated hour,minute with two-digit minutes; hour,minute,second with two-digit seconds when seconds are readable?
12,55
